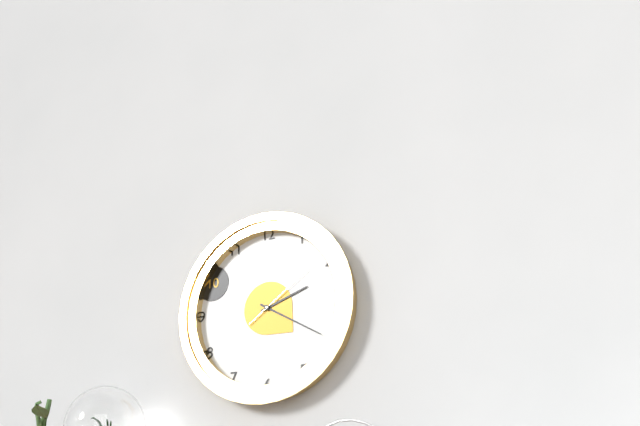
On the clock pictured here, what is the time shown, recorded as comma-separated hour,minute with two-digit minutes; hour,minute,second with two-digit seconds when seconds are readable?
2,20,09
